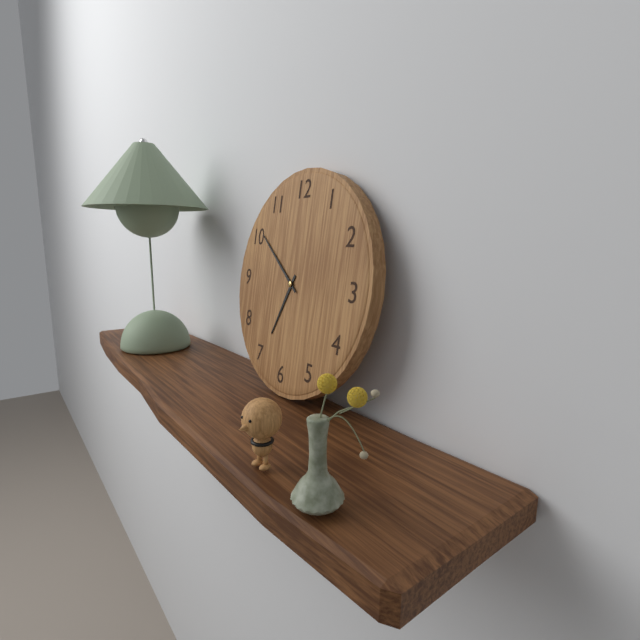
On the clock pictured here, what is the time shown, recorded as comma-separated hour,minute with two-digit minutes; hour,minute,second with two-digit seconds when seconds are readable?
6,51
